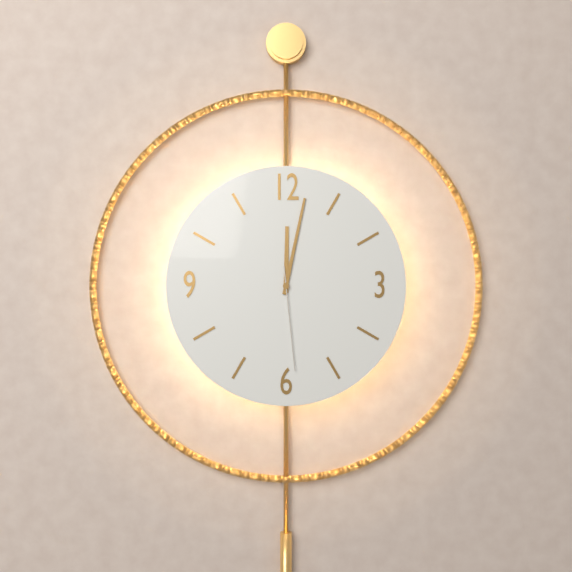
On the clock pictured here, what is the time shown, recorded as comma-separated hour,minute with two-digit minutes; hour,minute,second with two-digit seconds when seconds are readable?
12,02,29
